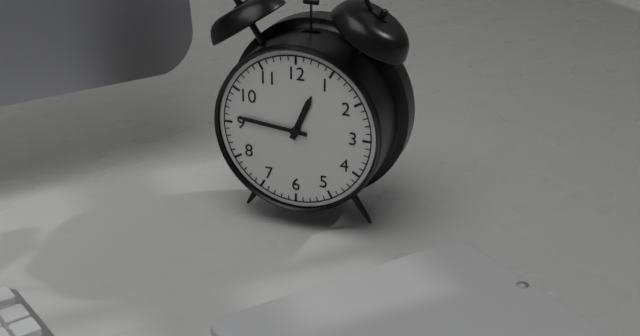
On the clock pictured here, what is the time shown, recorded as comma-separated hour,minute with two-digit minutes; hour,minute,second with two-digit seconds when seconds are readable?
12,46
